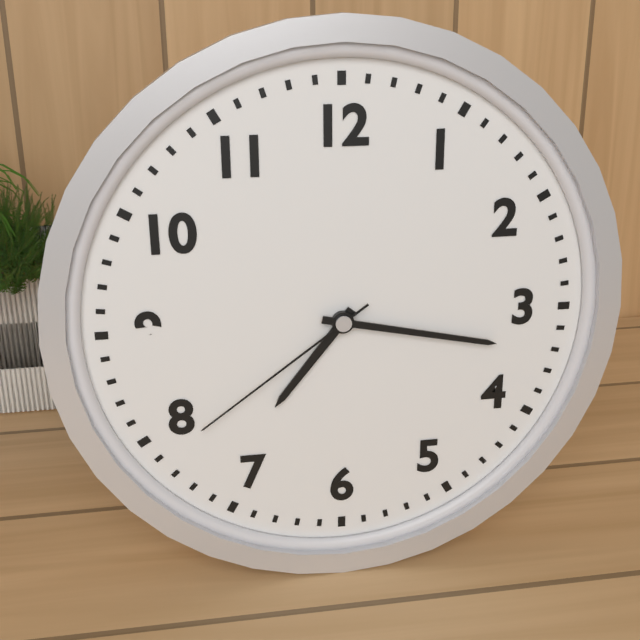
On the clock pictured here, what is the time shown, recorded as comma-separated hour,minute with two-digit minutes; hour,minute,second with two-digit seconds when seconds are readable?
7,17,39
